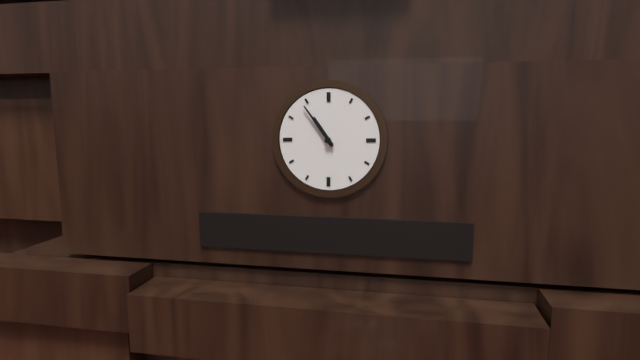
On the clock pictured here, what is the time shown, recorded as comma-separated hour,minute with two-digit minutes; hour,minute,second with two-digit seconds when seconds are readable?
10,54
